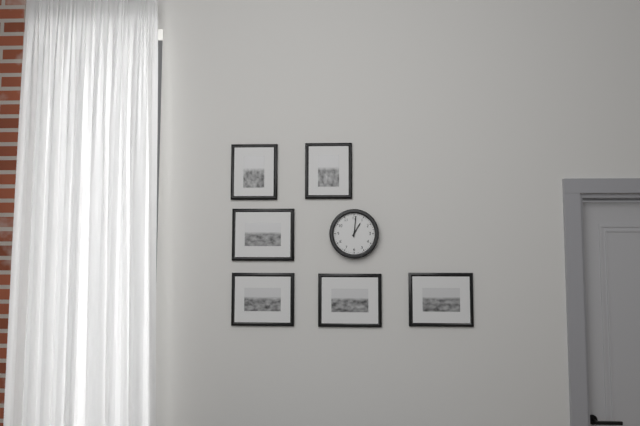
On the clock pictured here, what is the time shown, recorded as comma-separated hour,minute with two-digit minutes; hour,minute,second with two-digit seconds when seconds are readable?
1,01
